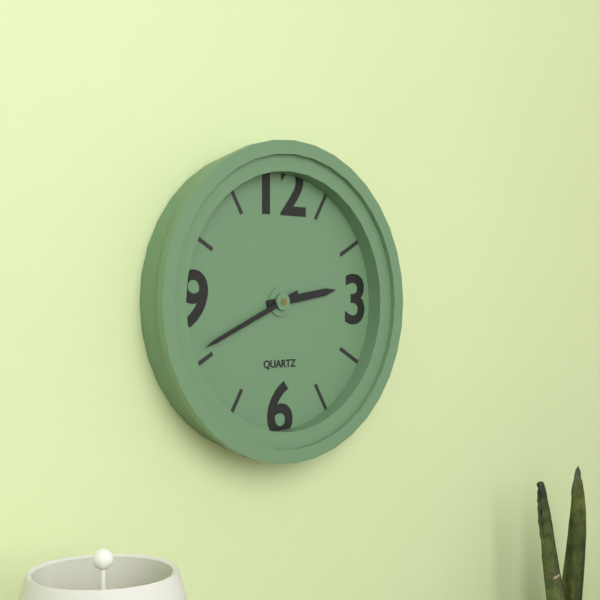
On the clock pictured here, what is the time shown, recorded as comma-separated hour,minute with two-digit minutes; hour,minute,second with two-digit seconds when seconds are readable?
2,41
